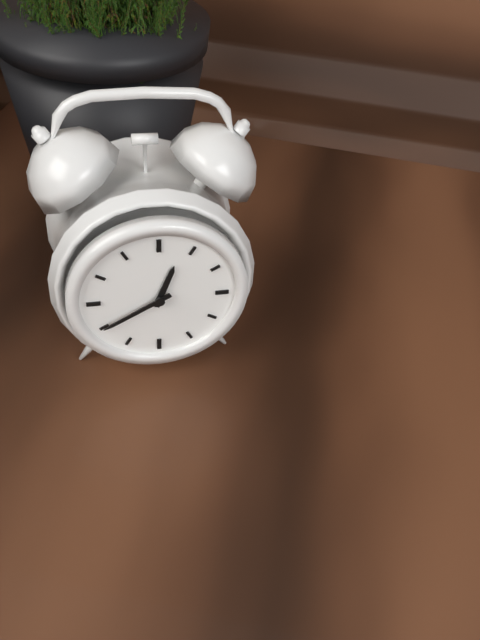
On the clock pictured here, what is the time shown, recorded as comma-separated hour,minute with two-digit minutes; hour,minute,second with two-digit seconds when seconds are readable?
12,40
